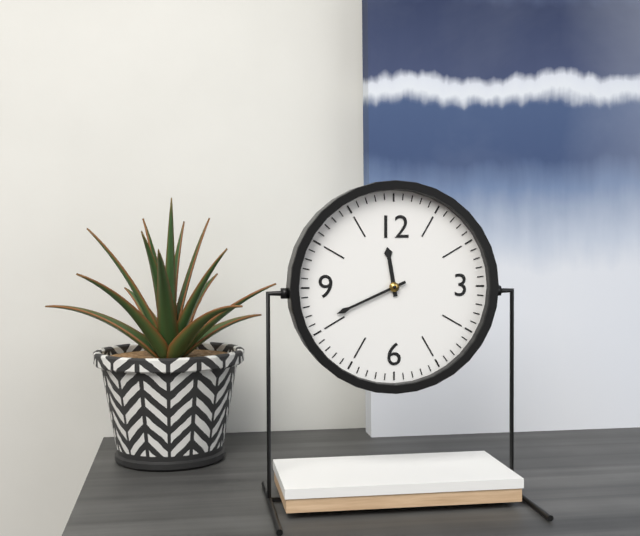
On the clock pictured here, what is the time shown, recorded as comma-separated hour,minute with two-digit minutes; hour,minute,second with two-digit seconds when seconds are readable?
11,41
